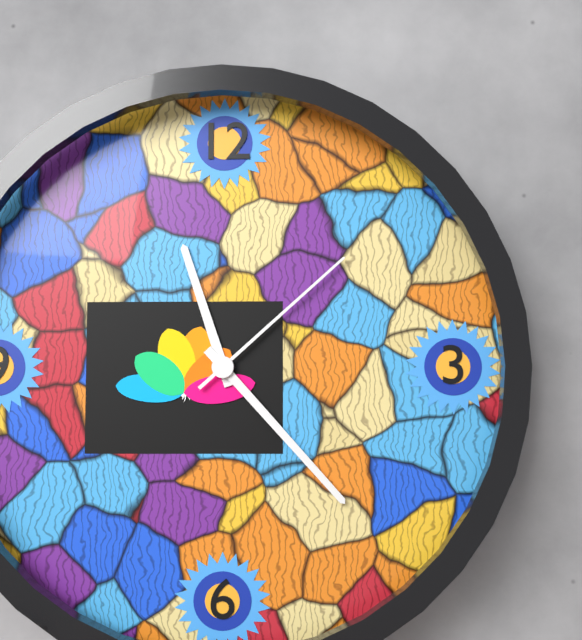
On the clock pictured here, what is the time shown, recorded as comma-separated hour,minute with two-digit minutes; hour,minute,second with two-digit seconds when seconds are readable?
11,23,08
